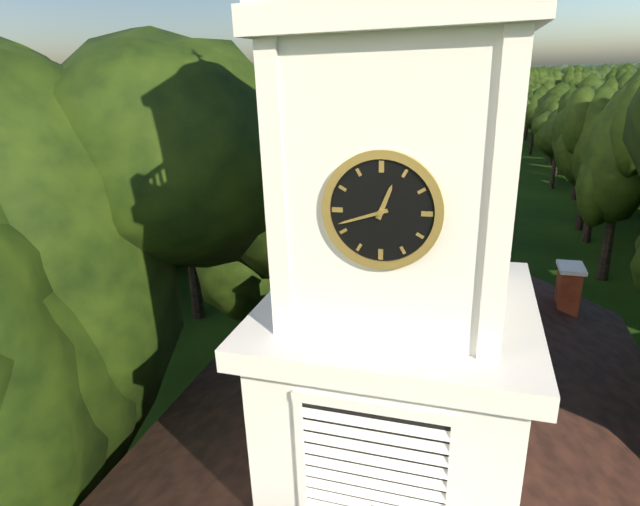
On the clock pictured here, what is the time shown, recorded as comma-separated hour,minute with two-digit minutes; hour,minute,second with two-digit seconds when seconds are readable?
12,42
